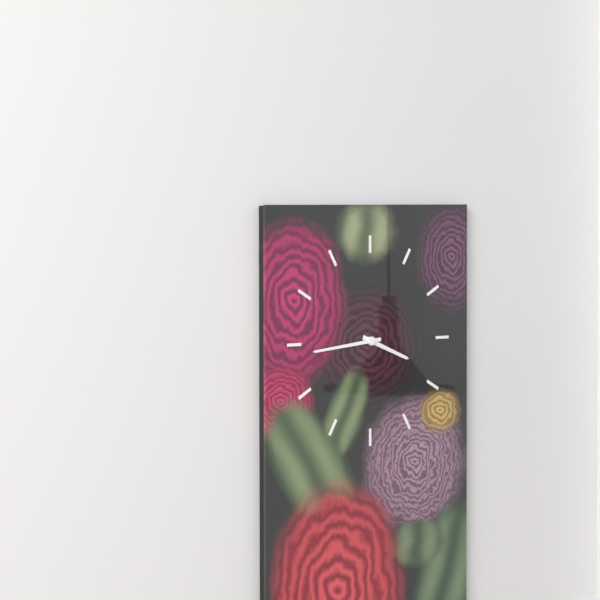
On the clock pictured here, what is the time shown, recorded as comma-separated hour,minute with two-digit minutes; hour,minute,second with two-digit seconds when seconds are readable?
3,44
